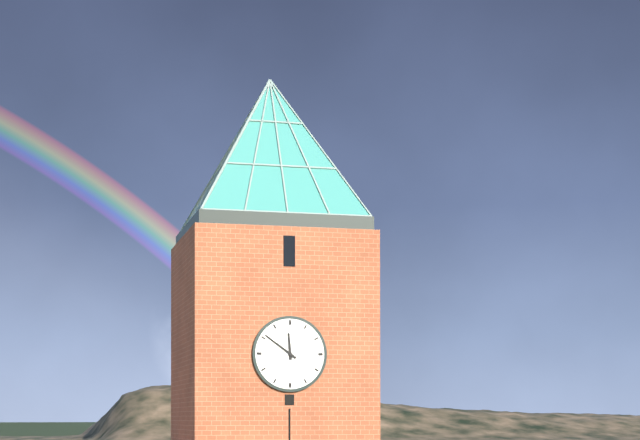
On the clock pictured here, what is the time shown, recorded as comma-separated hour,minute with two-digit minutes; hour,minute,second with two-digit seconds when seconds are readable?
11,51
